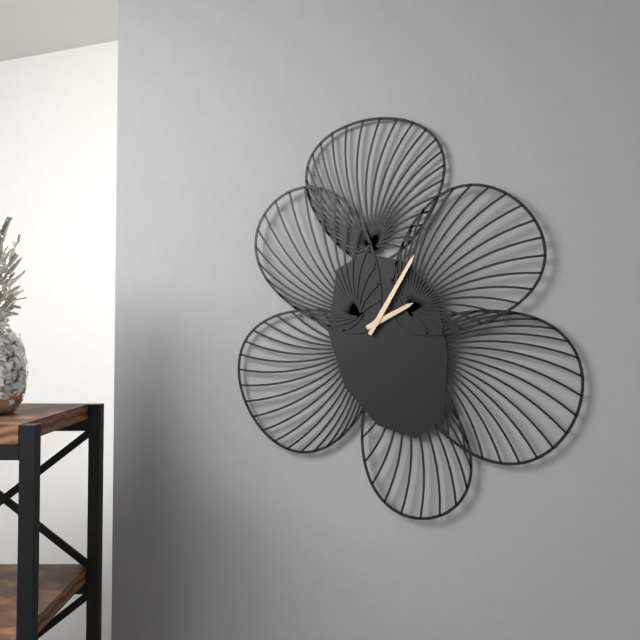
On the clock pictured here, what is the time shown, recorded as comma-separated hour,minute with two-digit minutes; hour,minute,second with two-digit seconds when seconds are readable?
2,05
